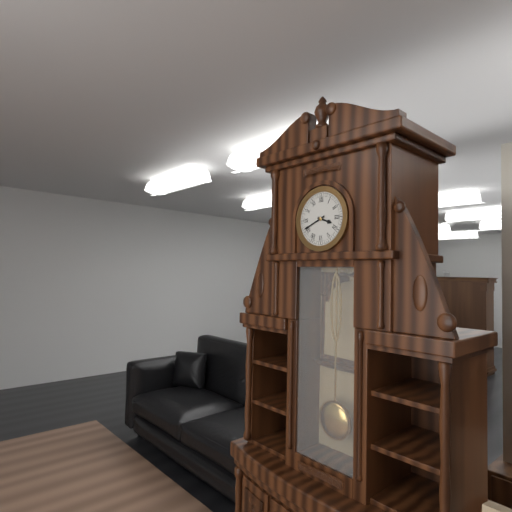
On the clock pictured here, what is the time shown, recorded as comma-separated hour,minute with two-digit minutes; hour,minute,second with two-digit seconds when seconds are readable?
3,41
